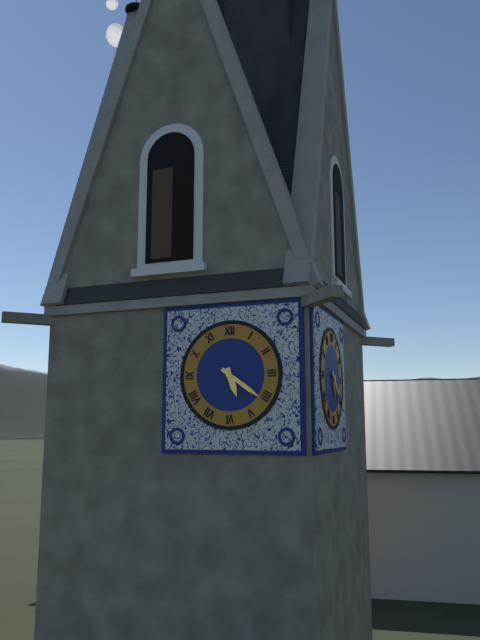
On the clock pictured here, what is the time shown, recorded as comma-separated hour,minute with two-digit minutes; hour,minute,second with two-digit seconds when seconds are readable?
5,21
